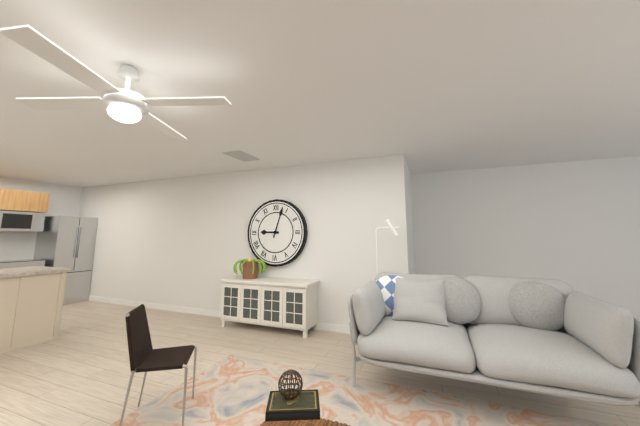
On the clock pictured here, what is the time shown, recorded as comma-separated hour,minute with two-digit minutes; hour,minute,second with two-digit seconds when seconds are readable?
9,03
